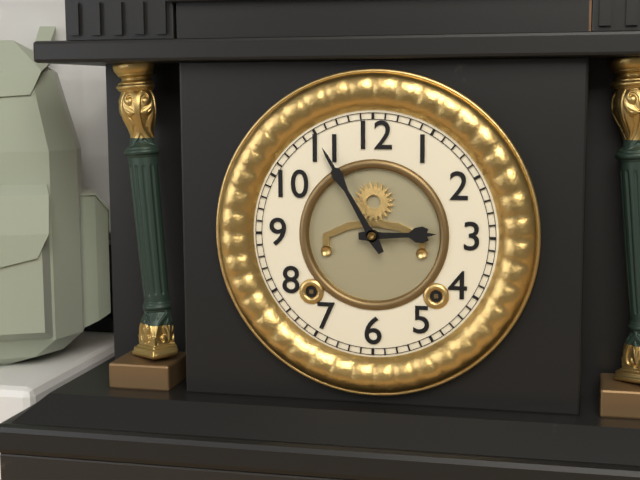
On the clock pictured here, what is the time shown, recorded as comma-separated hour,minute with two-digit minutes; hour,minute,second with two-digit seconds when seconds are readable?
2,55
